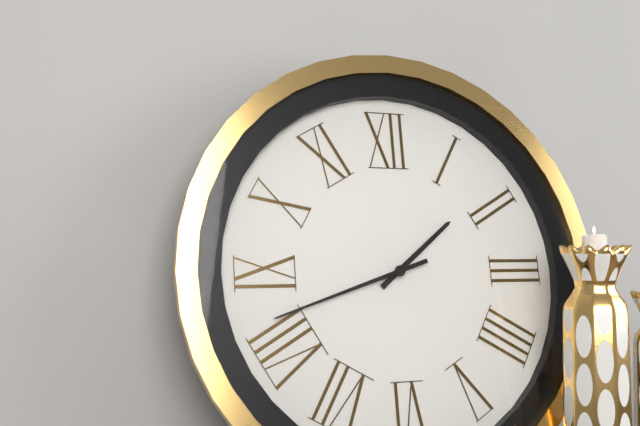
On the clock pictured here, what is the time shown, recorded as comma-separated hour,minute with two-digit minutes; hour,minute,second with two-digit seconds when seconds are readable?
1,42
